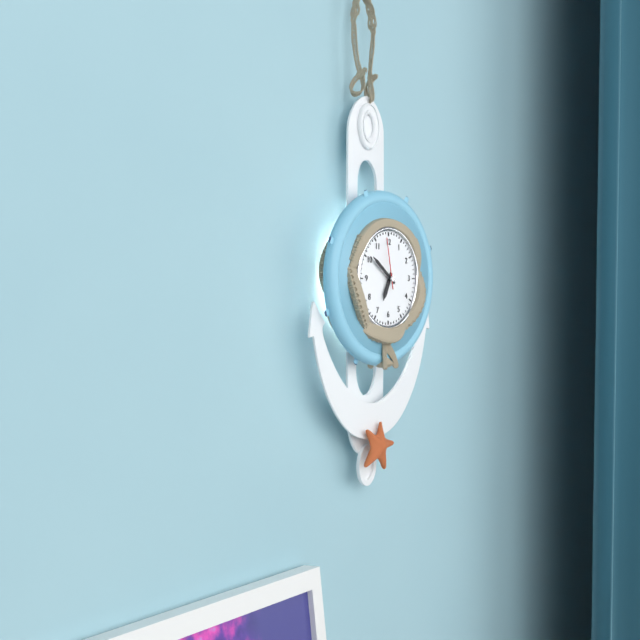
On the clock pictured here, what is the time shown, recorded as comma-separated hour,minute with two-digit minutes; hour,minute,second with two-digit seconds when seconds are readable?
6,51,58
